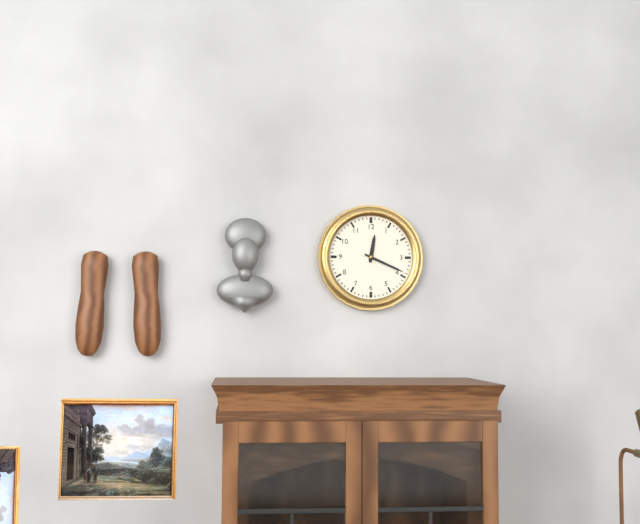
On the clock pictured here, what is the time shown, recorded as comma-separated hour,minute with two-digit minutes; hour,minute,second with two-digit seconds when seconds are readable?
12,19
